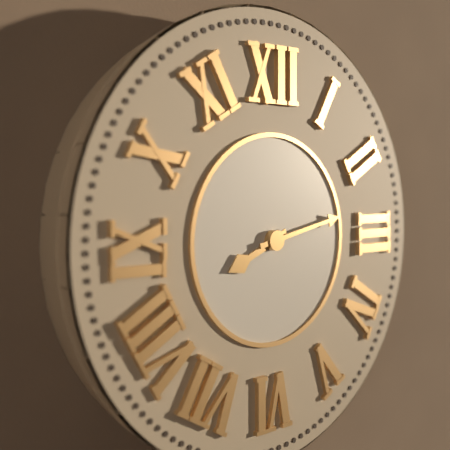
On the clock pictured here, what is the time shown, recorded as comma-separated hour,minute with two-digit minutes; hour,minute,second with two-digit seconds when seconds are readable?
8,13
